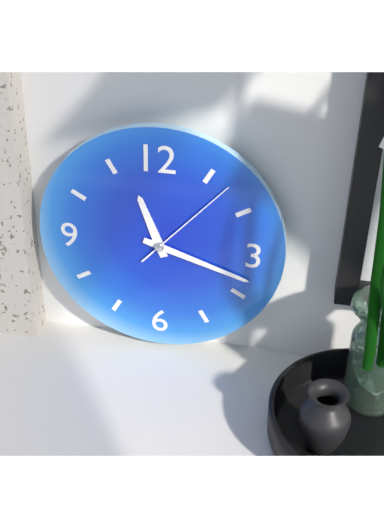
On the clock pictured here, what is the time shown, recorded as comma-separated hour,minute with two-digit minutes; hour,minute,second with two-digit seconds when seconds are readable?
11,18,07
